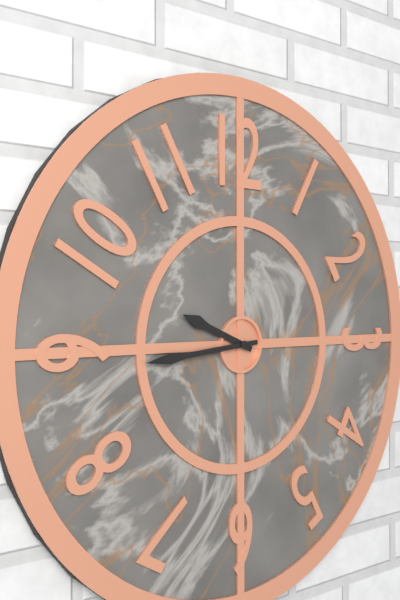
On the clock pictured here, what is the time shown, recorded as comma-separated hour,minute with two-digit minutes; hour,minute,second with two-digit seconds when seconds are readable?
9,44
